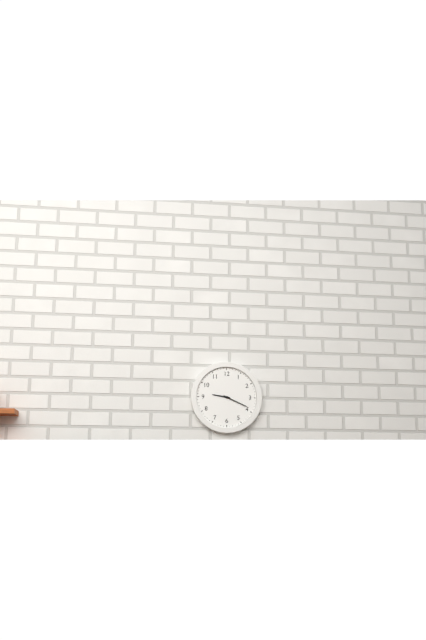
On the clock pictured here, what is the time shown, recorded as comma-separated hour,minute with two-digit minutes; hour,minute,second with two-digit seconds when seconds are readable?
9,19
